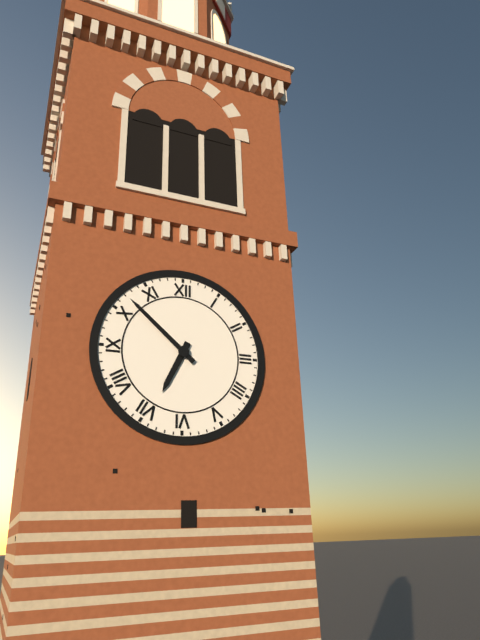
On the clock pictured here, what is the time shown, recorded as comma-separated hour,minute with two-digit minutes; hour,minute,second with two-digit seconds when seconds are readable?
6,52
